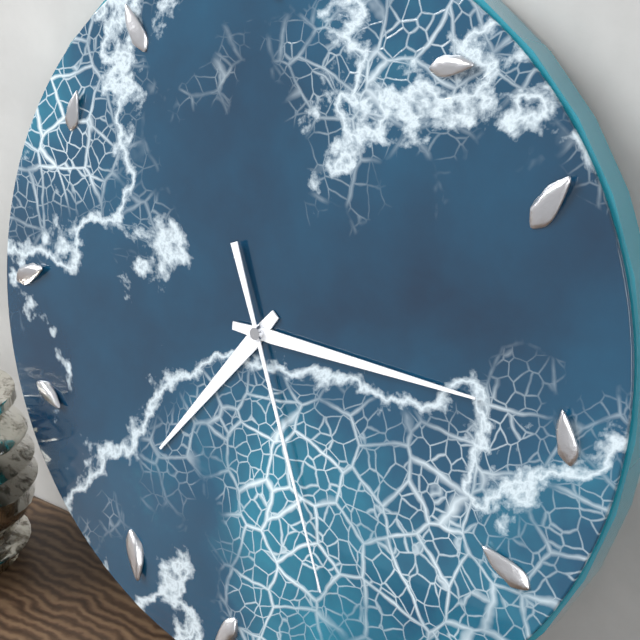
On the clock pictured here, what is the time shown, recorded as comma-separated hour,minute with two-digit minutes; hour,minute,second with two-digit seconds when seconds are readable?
7,15,26
